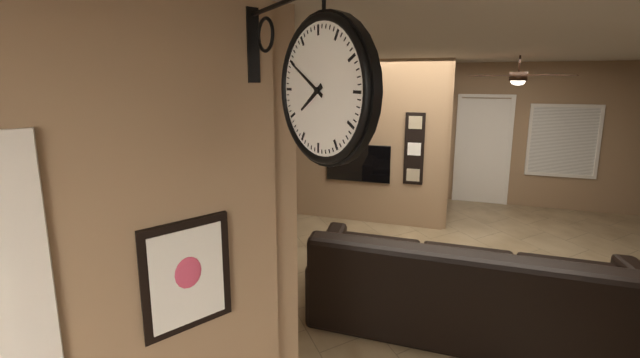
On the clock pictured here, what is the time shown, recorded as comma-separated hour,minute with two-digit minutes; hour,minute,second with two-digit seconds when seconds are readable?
7,50
